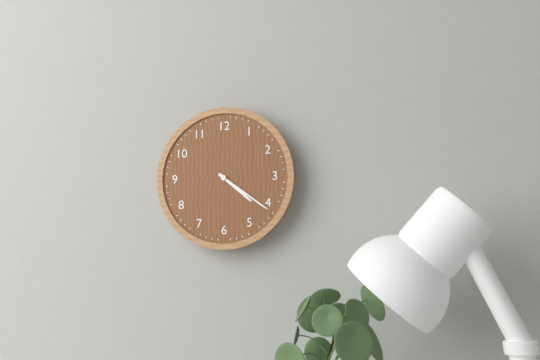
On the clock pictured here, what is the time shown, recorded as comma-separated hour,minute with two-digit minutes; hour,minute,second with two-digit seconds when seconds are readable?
4,21
